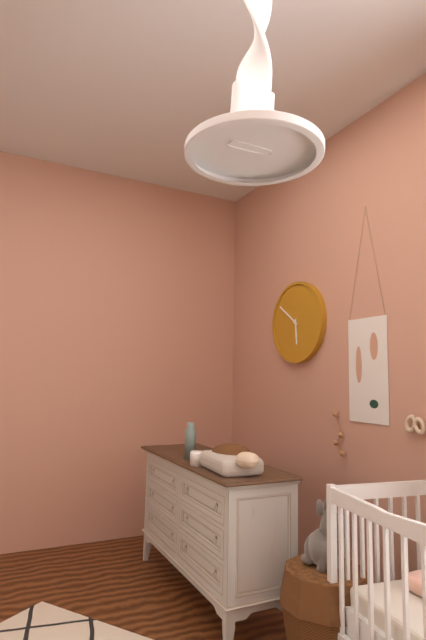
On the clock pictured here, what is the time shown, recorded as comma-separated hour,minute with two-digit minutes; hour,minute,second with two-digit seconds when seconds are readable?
5,51
